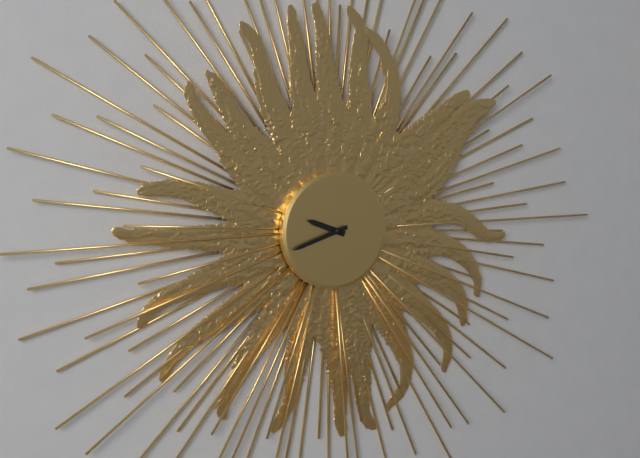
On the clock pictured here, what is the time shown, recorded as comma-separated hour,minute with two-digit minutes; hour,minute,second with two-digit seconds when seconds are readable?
9,42
